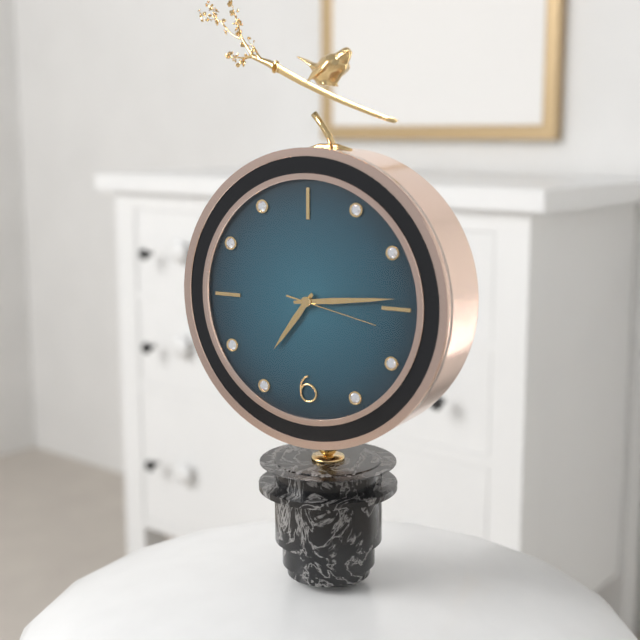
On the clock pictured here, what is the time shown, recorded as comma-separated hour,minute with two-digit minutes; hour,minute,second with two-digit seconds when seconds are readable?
7,14,17
